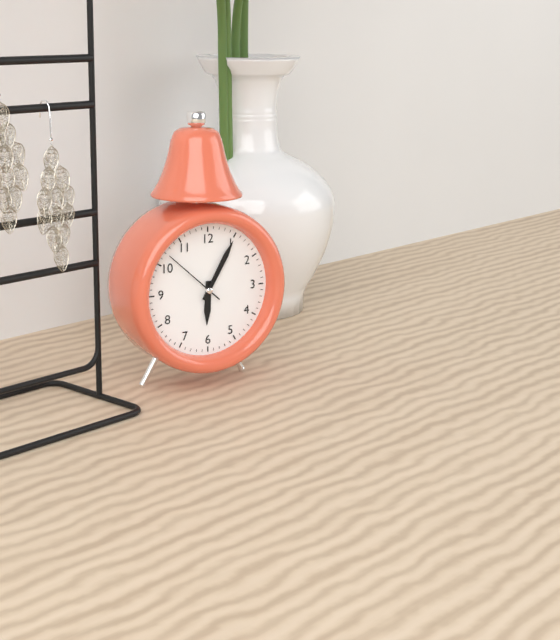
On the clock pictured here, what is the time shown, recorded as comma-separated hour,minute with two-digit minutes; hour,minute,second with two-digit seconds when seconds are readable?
6,05,52
